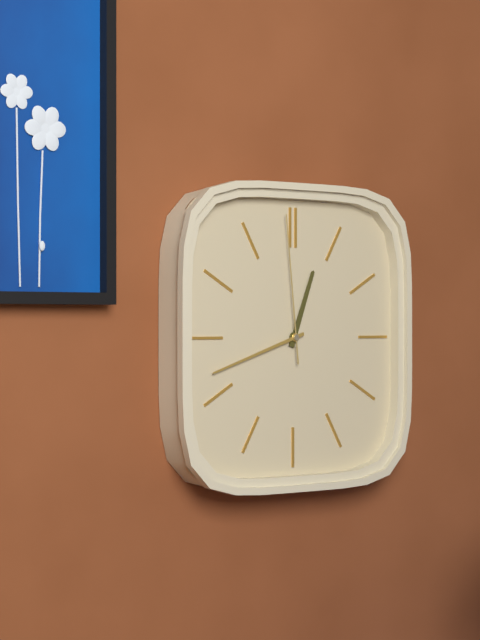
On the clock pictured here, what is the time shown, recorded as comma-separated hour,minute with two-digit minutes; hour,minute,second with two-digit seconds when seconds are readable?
12,42,59
